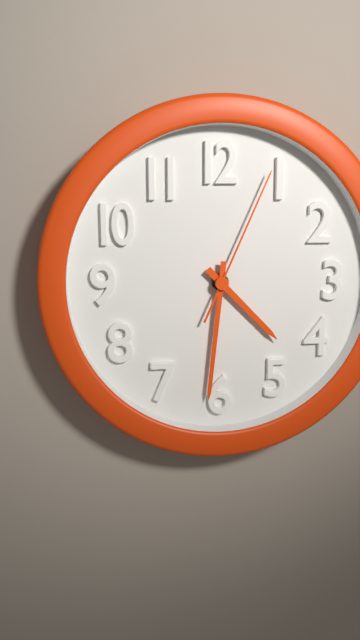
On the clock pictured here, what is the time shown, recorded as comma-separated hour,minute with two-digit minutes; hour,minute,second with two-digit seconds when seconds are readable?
4,31,04
